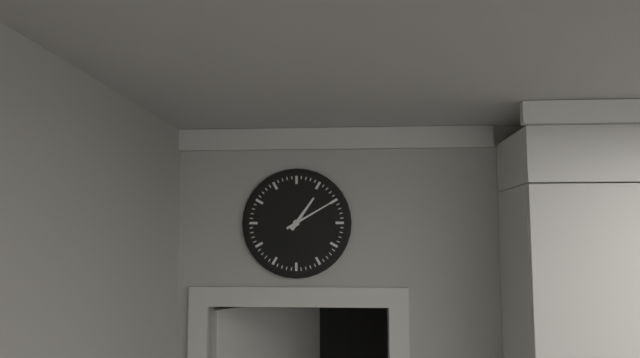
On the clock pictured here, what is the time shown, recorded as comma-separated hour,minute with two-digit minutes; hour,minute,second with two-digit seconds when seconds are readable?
1,10
